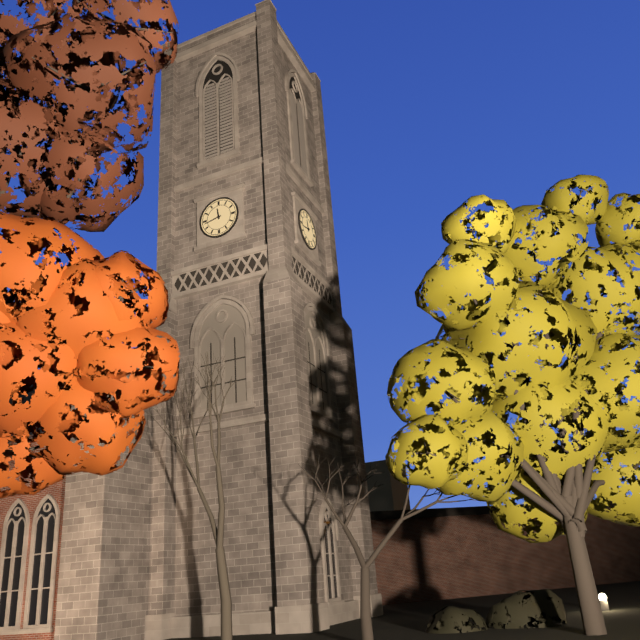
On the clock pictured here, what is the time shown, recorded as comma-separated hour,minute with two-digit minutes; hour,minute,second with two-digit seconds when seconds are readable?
11,43
